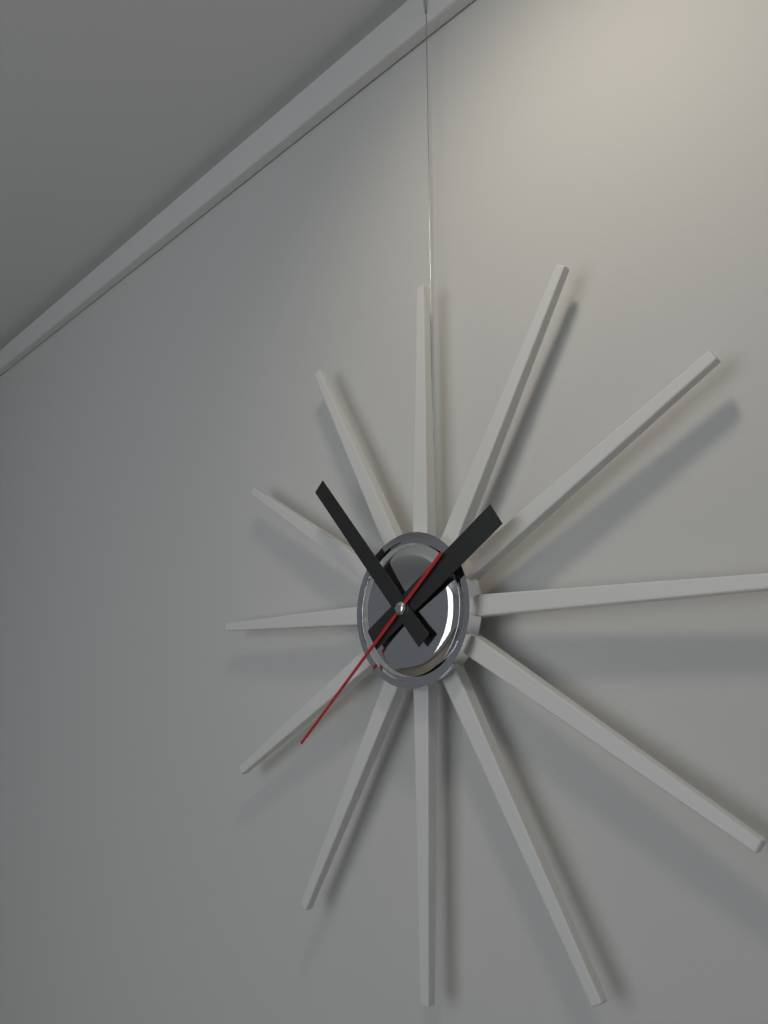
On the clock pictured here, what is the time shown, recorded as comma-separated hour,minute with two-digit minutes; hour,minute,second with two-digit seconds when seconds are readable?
1,53,38
